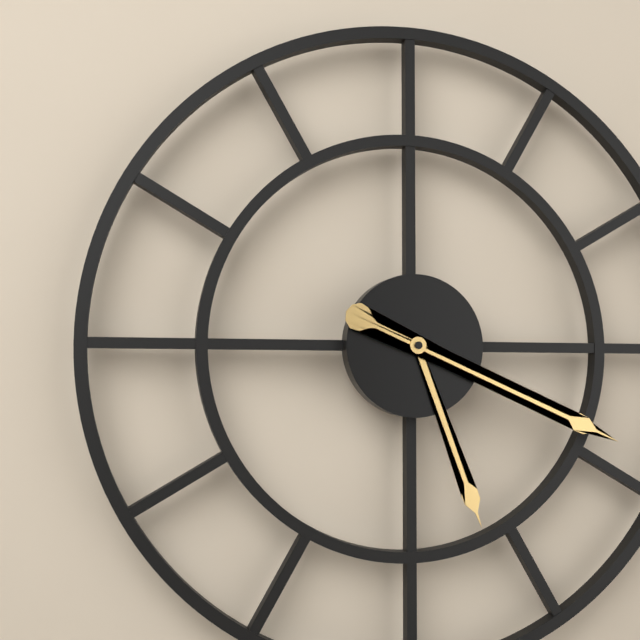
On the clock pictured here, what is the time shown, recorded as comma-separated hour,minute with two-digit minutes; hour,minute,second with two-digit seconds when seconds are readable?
5,19
